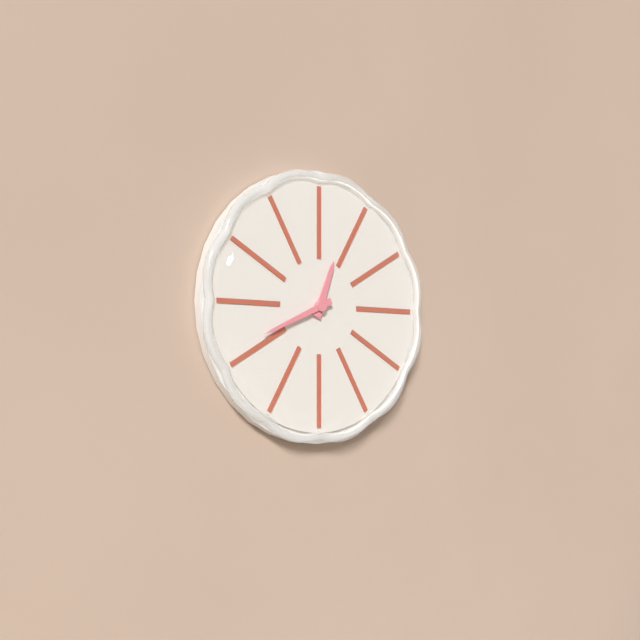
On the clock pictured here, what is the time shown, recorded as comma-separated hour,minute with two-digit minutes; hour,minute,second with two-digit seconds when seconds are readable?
12,41
